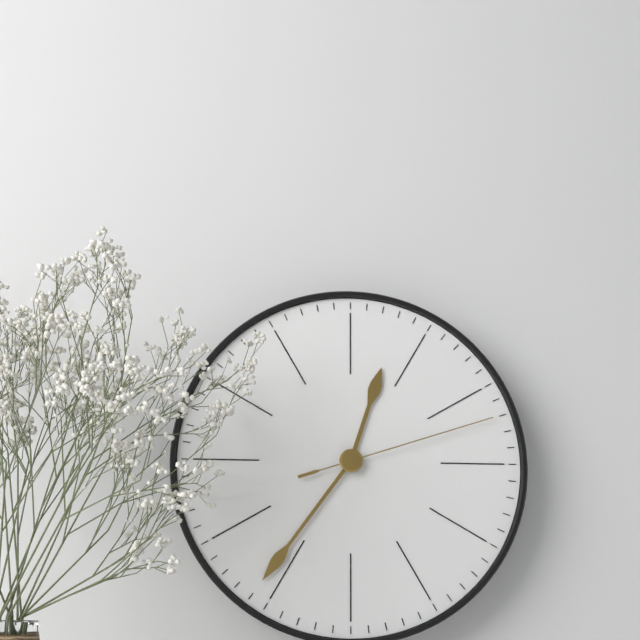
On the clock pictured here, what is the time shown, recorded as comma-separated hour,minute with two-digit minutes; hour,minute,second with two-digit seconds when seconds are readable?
12,36,12
